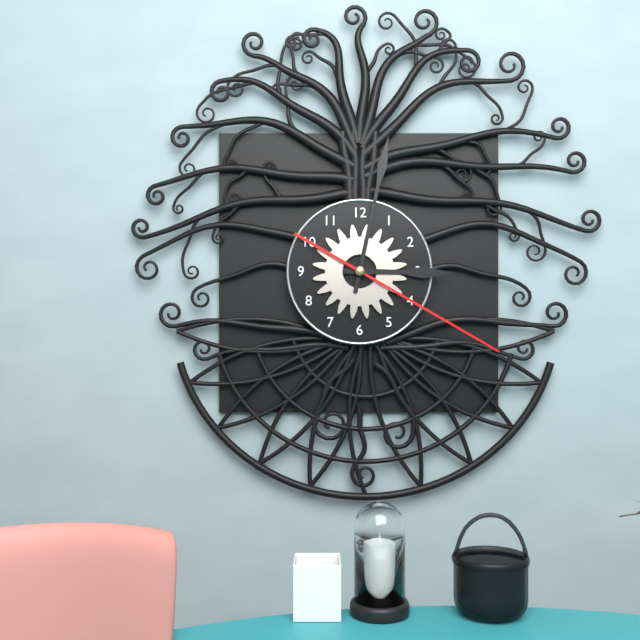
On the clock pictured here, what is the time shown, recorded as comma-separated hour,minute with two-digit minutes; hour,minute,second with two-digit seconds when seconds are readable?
3,02,20
